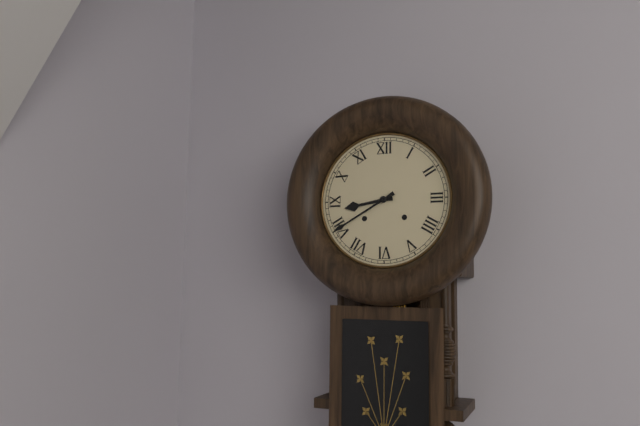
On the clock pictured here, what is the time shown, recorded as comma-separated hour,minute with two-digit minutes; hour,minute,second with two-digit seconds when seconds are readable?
8,40
